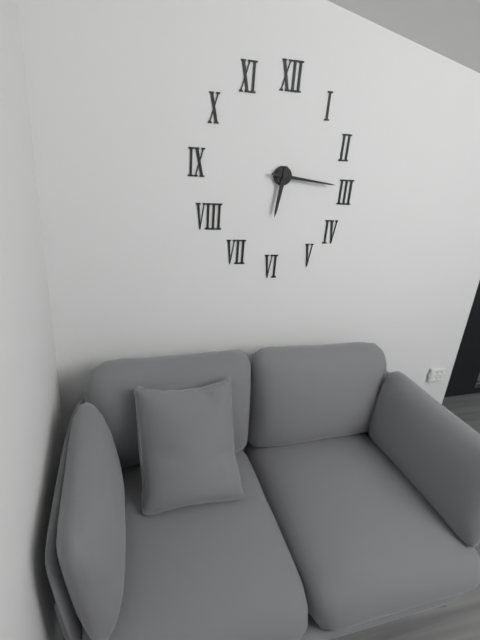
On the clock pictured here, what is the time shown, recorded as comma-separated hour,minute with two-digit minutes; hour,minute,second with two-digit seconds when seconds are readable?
6,16
